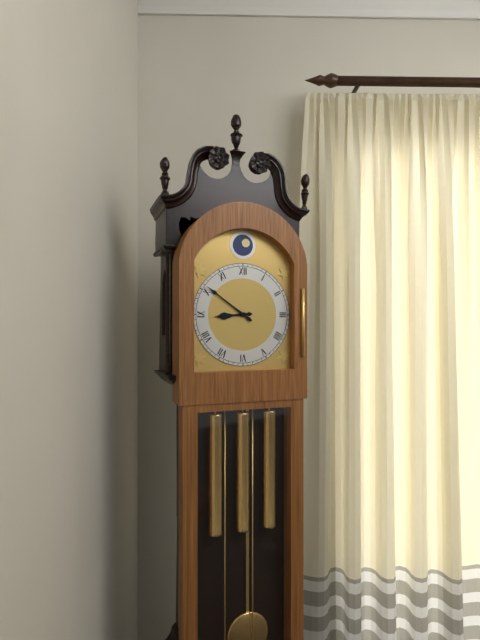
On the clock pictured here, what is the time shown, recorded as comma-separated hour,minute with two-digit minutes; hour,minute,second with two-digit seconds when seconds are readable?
8,51
